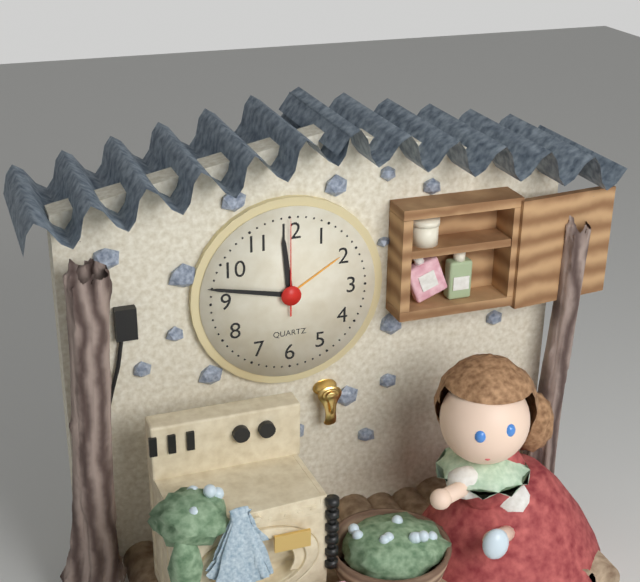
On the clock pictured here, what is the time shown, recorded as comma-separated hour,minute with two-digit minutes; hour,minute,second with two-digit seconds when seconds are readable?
11,47,00
